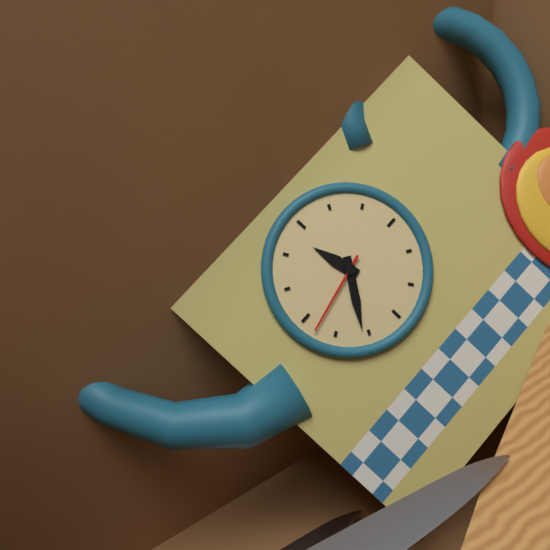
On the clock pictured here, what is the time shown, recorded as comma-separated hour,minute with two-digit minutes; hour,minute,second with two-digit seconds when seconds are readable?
11,36,43
